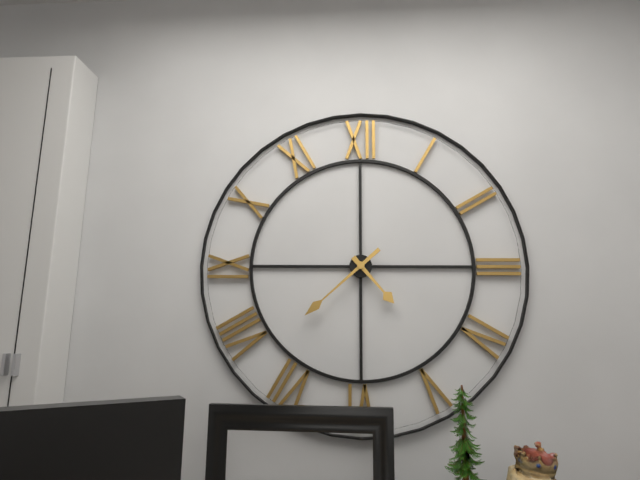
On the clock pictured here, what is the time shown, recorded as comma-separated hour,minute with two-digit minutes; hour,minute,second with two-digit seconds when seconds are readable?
4,38
